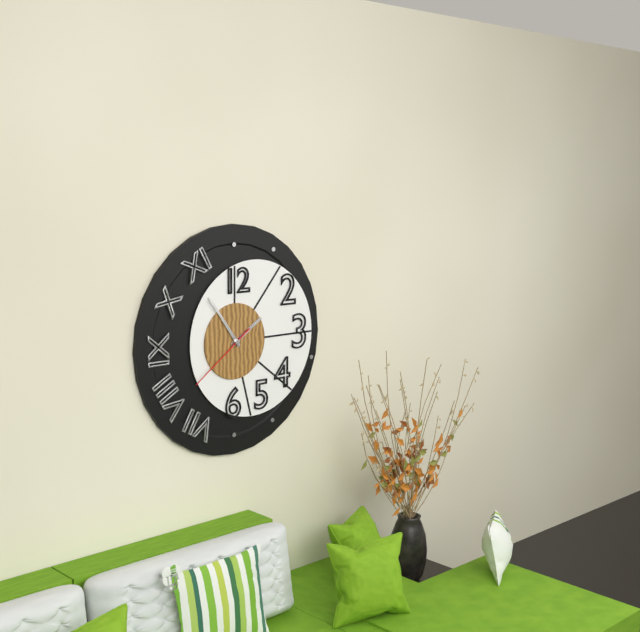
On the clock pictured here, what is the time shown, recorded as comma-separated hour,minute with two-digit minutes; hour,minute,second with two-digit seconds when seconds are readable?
1,54,39
